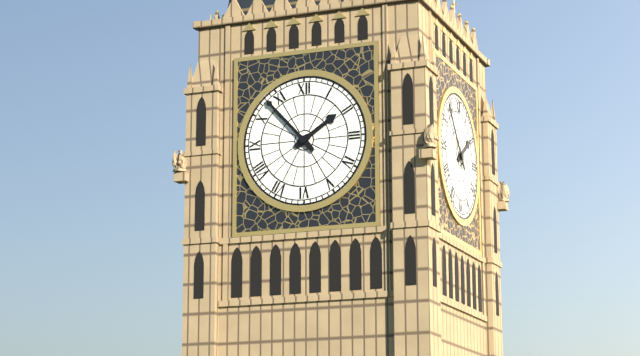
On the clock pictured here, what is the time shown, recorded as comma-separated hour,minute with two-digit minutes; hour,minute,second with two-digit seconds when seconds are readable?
1,53
